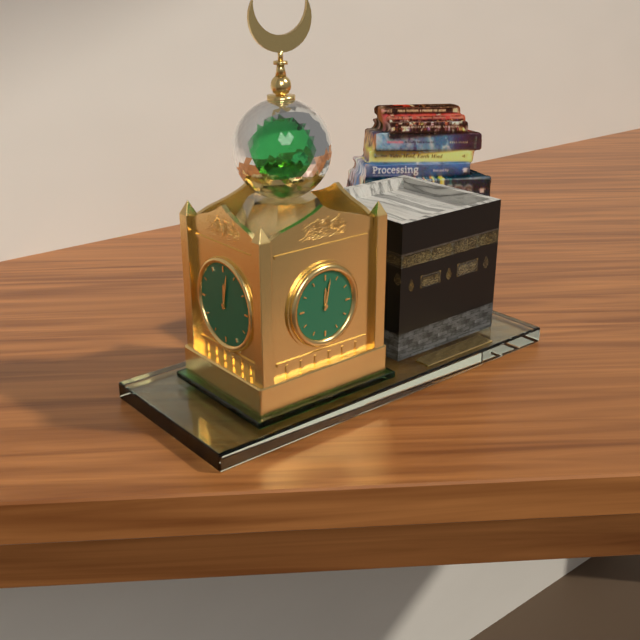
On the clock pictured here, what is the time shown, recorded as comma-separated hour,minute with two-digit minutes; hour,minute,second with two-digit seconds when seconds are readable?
12,02
